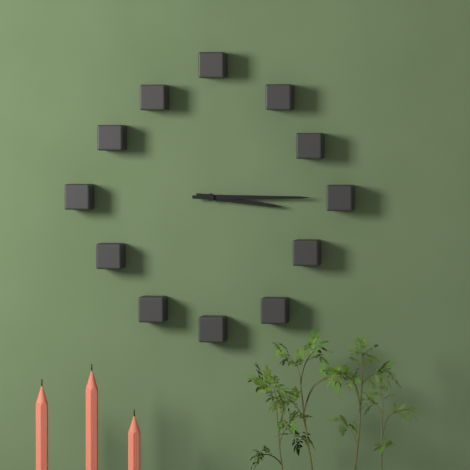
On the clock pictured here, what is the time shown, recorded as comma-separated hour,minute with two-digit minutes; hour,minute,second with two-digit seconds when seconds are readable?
3,15
